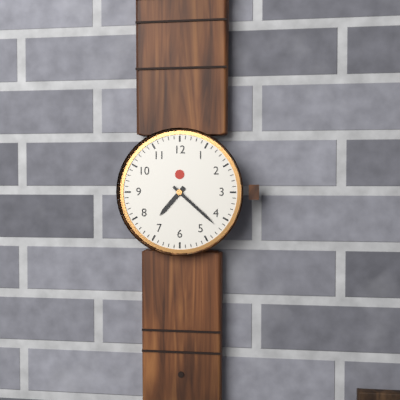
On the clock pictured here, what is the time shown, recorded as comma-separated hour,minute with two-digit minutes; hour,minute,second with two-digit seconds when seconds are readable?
7,22
